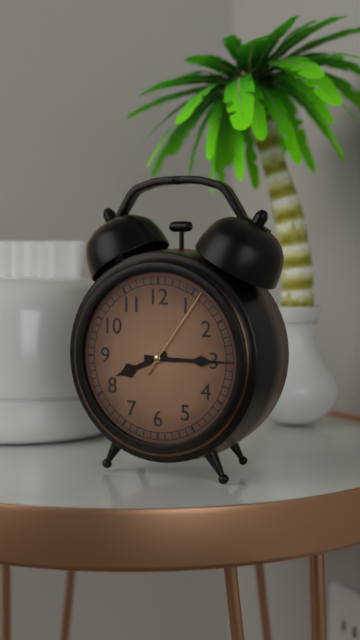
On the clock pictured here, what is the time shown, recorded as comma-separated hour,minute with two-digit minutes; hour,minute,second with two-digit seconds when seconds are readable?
8,15,06
